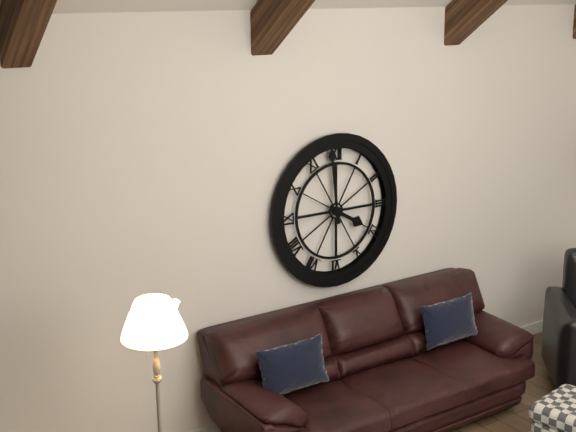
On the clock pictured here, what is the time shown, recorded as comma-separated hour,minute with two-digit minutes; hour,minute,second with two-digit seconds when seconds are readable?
3,59
